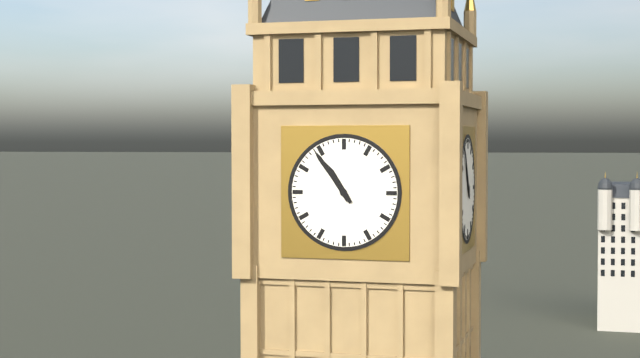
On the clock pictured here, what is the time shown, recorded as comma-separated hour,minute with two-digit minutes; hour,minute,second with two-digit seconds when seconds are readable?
10,54
